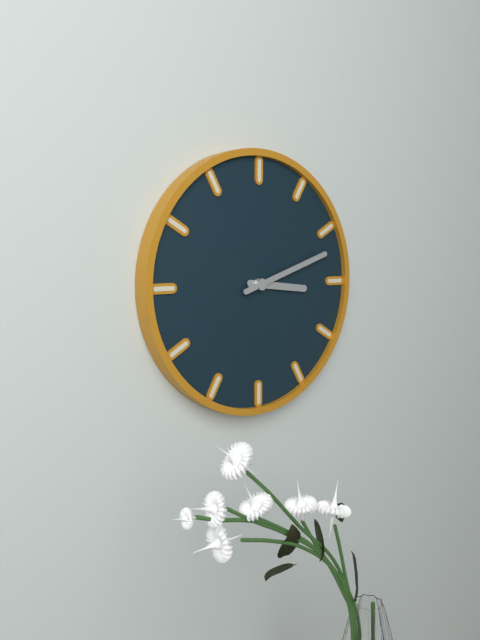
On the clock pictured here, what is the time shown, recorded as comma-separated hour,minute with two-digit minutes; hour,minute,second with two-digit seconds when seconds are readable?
3,12
